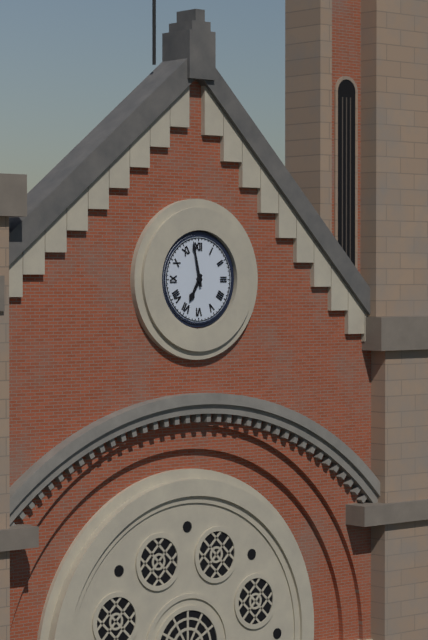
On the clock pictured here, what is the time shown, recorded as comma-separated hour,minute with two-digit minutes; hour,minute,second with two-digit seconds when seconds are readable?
6,58
